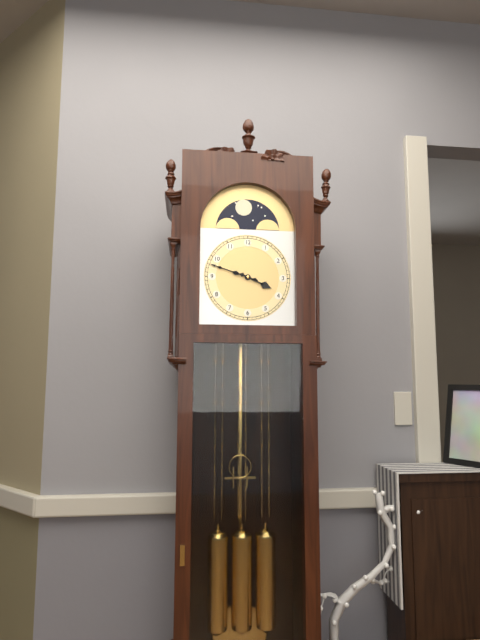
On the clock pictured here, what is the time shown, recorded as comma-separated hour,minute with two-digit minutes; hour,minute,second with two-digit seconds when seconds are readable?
3,48
